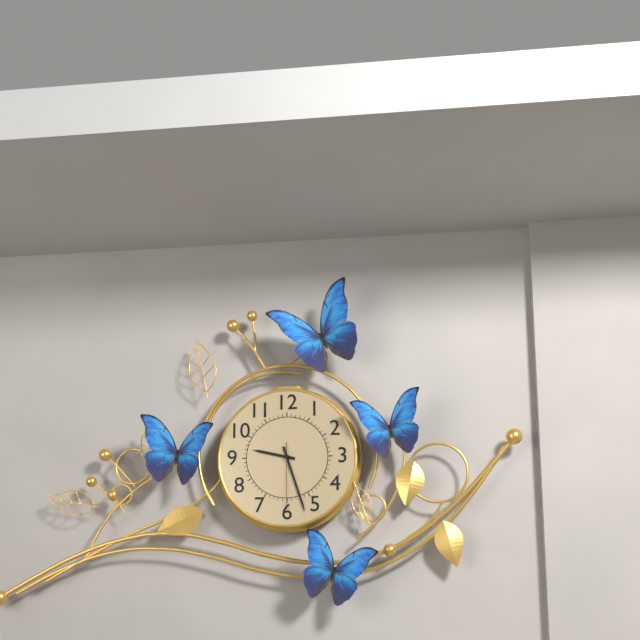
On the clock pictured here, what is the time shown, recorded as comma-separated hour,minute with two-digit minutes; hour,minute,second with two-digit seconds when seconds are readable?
9,27,30
